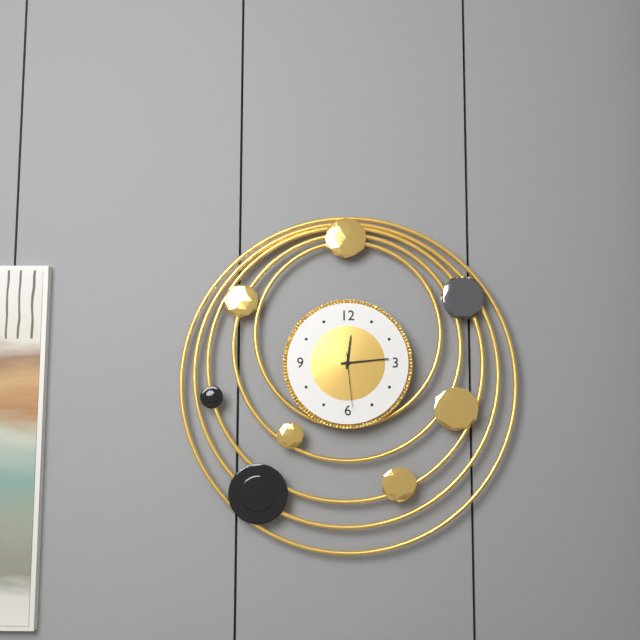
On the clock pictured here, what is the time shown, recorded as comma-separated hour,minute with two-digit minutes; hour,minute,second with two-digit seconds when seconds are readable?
12,14,29
